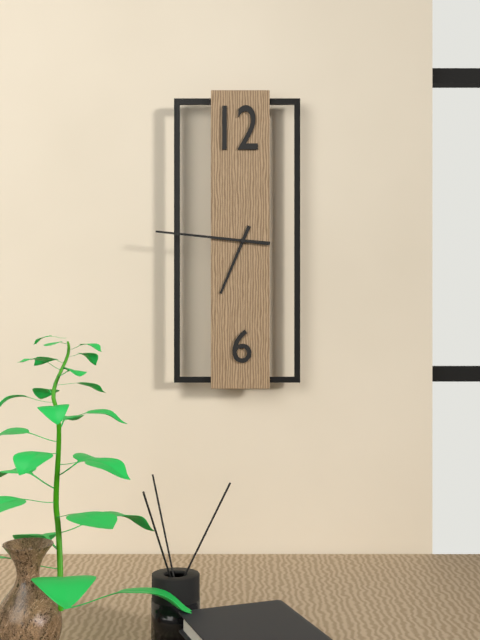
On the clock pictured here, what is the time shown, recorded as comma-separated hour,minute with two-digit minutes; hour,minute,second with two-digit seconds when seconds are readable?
6,46
